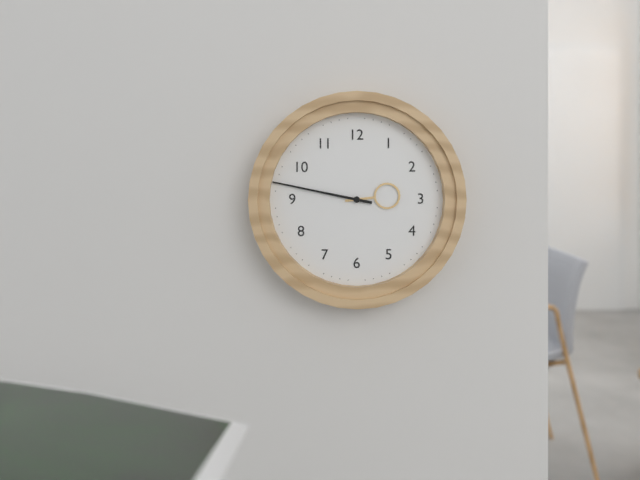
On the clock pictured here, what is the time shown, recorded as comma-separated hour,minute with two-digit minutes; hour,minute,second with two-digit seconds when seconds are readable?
2,47
